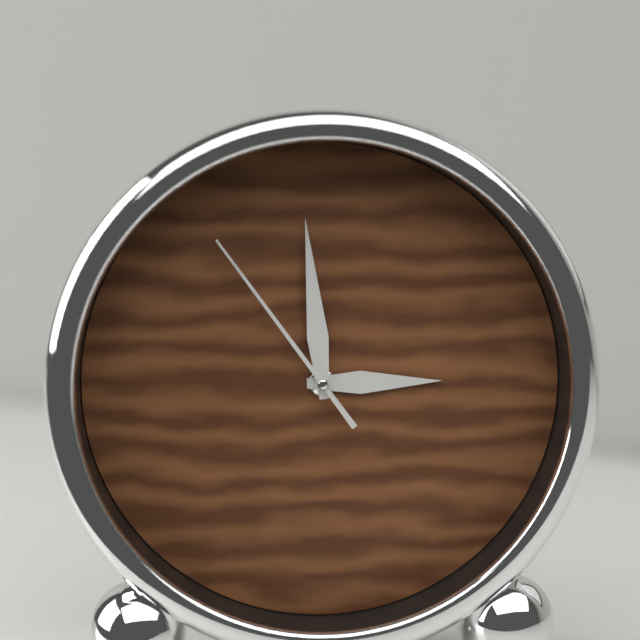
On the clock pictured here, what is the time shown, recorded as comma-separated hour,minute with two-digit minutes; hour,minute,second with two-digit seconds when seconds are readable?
2,59,54
